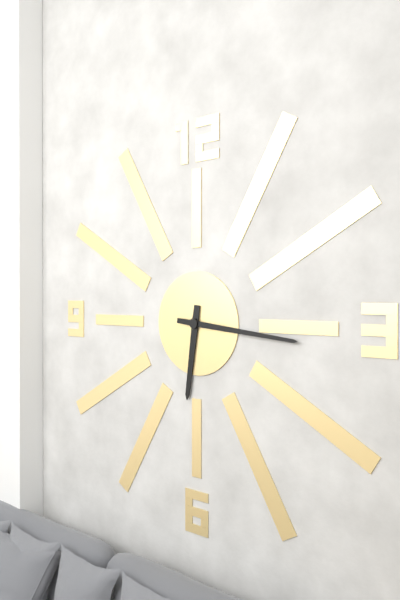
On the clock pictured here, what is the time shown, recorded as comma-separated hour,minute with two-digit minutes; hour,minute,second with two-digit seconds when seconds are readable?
6,16
